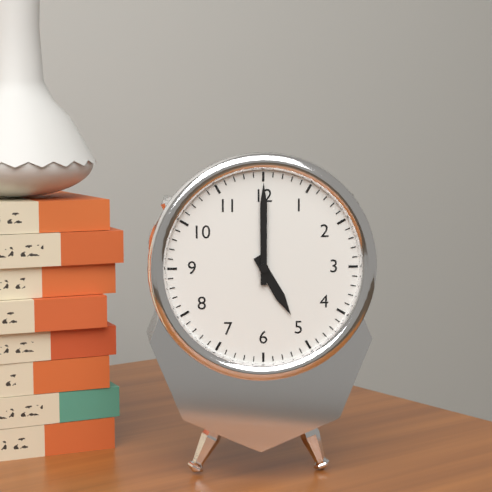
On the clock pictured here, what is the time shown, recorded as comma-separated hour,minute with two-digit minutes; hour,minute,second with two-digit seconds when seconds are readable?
5,00
